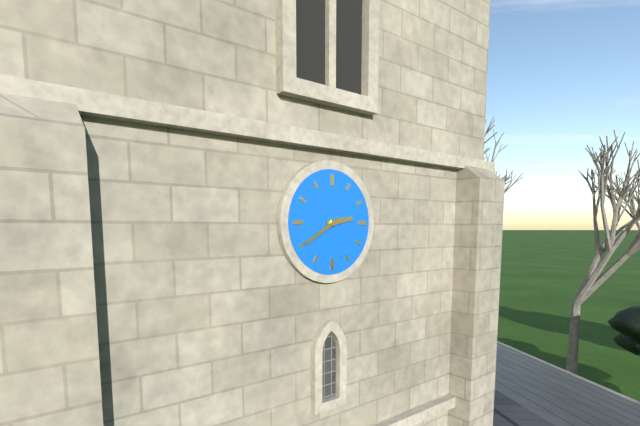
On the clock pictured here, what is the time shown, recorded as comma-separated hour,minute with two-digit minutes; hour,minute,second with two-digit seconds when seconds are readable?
2,40
